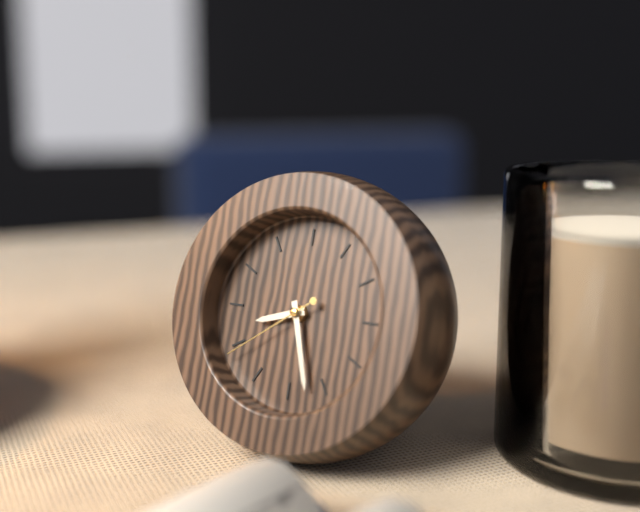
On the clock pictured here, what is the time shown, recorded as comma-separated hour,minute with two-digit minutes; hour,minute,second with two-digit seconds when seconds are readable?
8,27,39
